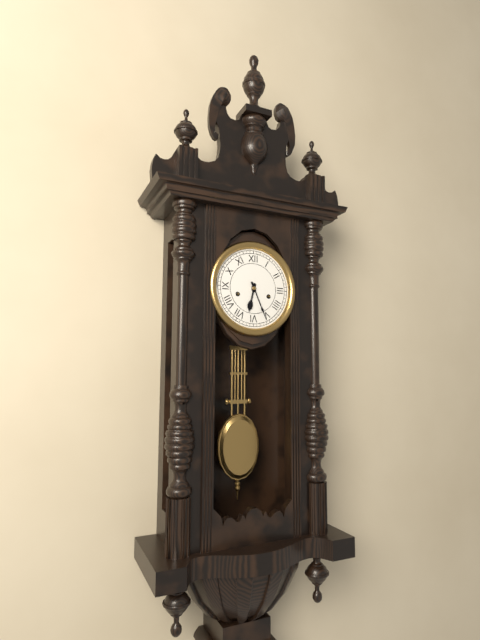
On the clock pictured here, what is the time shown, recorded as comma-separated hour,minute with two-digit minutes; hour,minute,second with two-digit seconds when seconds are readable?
6,26
